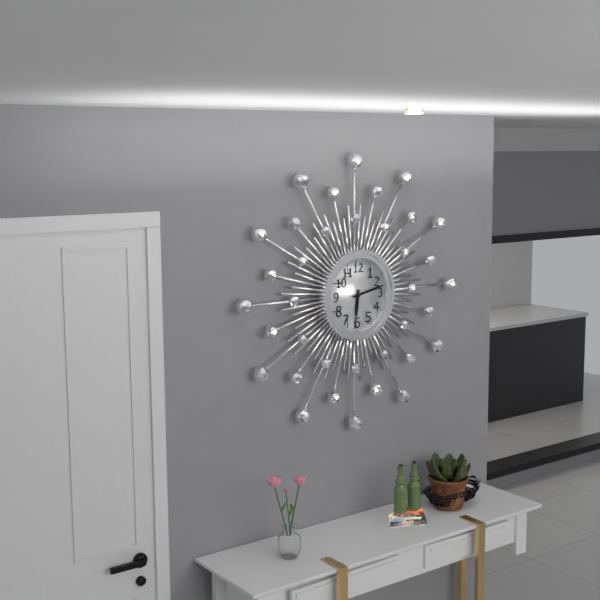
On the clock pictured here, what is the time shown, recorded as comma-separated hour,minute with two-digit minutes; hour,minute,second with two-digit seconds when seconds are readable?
6,13
